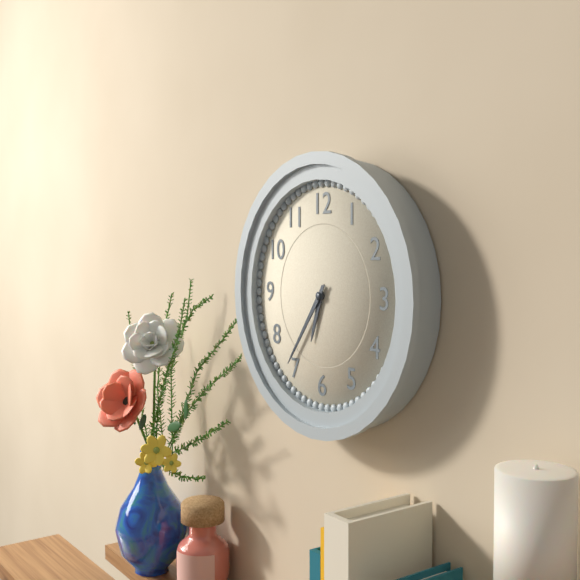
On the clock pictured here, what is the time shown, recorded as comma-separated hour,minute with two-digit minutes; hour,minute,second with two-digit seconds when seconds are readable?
6,36
